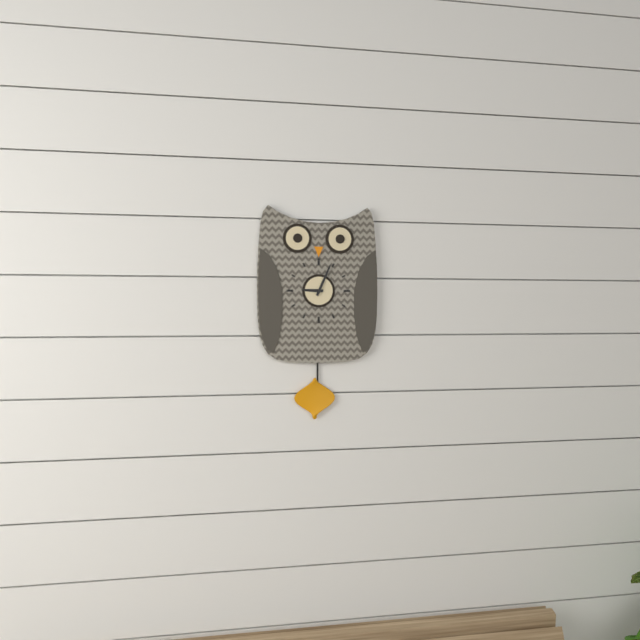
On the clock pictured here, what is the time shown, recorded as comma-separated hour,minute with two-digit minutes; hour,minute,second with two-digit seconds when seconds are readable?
9,04
